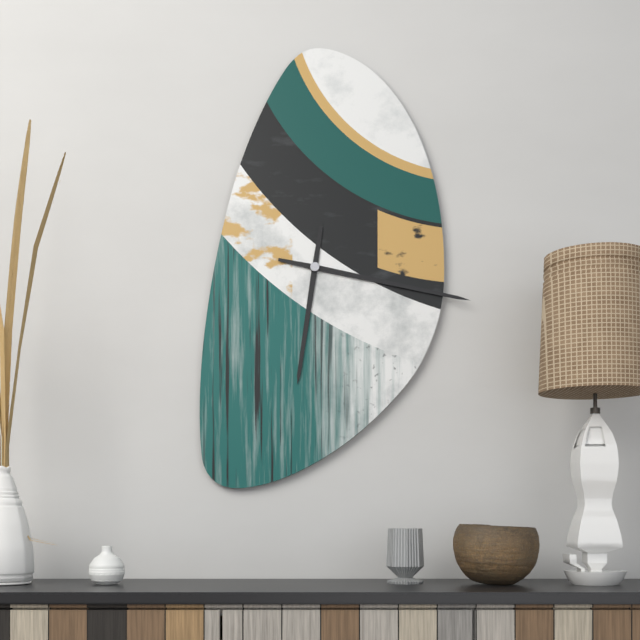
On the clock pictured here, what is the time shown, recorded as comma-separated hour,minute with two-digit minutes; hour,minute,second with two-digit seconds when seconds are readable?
6,17
